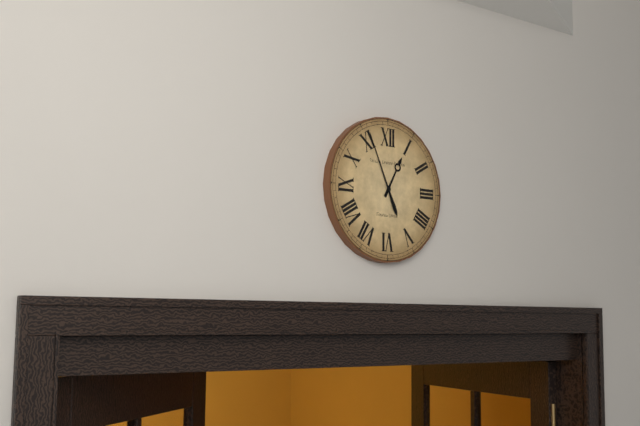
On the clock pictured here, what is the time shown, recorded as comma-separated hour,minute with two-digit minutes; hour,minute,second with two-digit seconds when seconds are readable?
12,56
